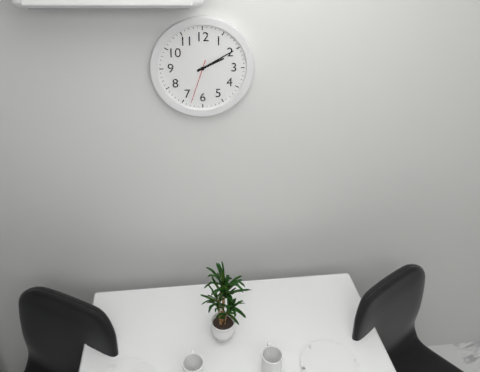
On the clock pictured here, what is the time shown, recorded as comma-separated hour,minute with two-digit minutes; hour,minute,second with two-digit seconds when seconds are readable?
2,10
